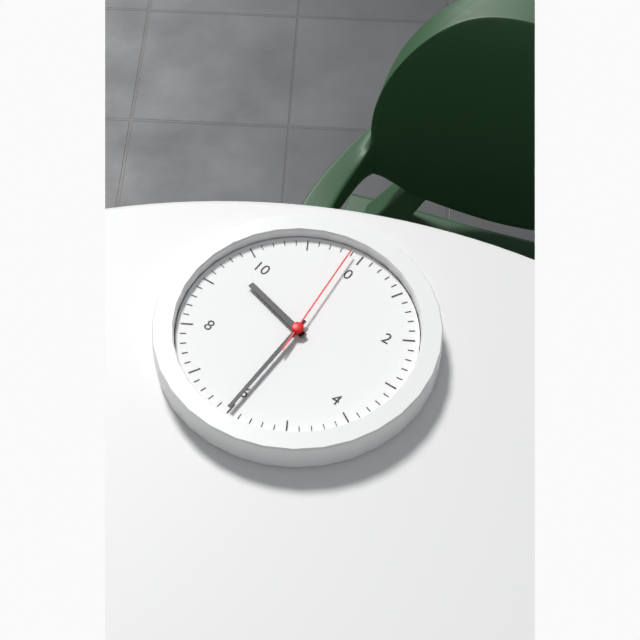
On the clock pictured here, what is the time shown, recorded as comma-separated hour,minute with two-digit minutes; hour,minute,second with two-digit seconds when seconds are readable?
9,30,59
